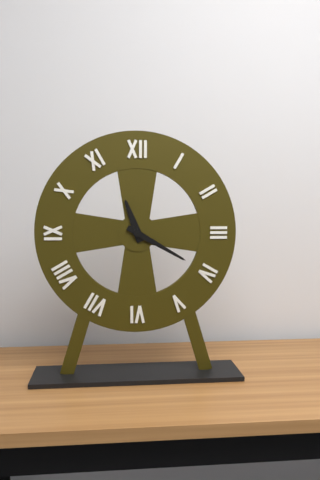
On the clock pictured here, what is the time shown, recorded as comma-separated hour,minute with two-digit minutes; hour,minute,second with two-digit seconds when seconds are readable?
11,20
